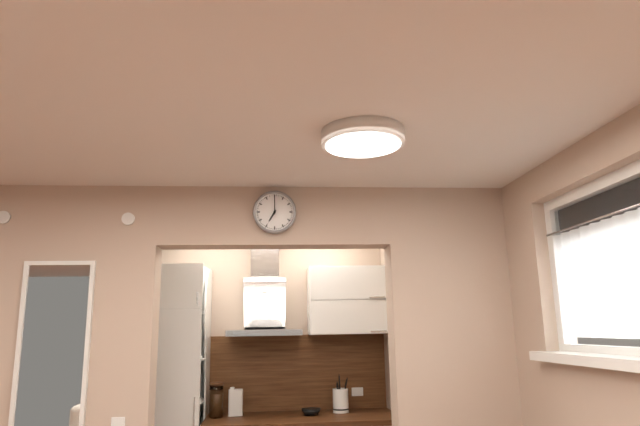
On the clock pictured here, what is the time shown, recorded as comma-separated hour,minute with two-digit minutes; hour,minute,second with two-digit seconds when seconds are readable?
7,00
